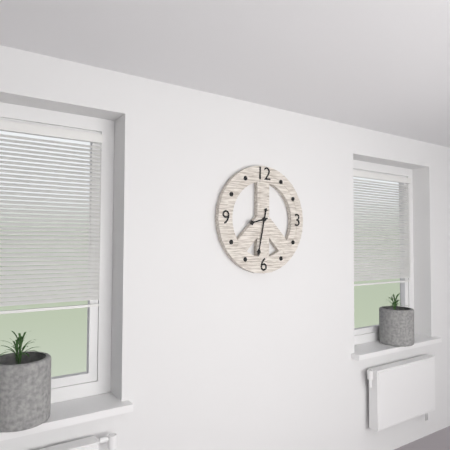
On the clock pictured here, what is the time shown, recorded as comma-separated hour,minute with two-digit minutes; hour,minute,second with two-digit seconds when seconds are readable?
8,32
